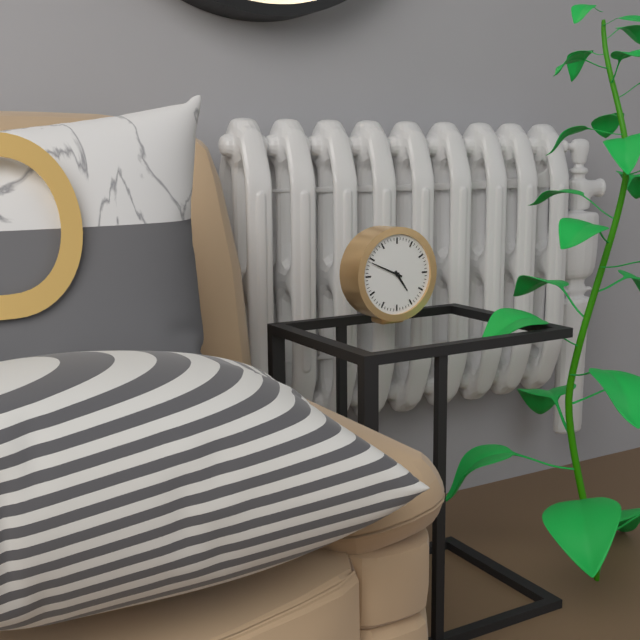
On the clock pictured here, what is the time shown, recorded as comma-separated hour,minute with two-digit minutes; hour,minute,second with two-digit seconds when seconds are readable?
4,49
